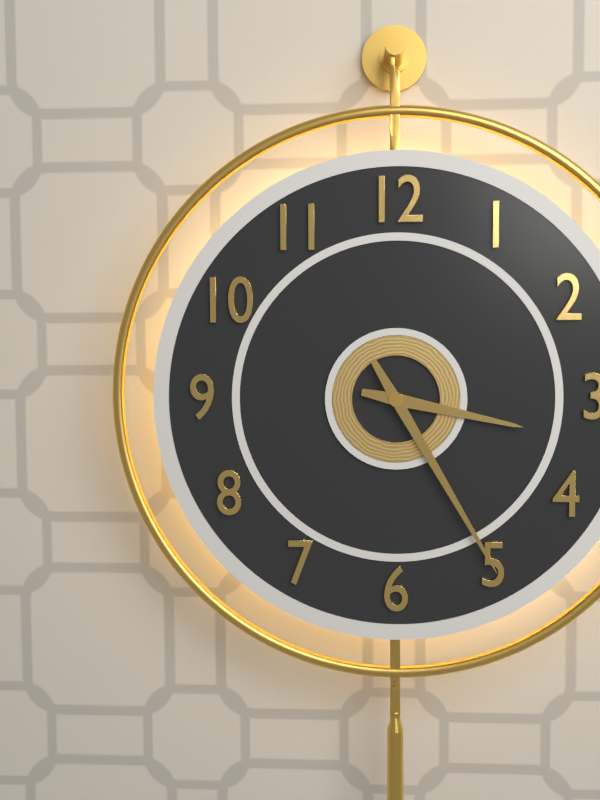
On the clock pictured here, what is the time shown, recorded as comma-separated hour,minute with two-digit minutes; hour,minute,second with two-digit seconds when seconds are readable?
3,25
